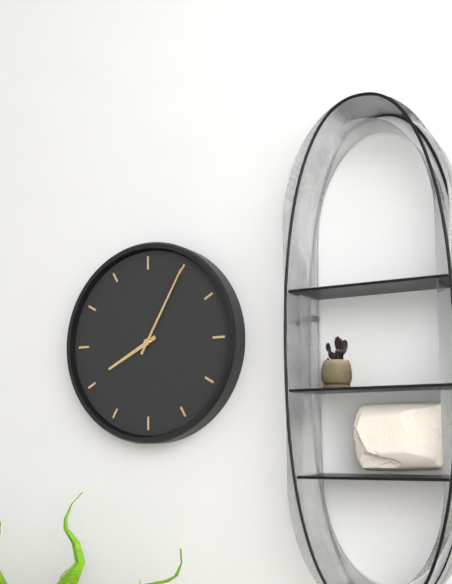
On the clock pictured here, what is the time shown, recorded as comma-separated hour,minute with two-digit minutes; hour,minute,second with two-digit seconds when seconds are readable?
8,05
